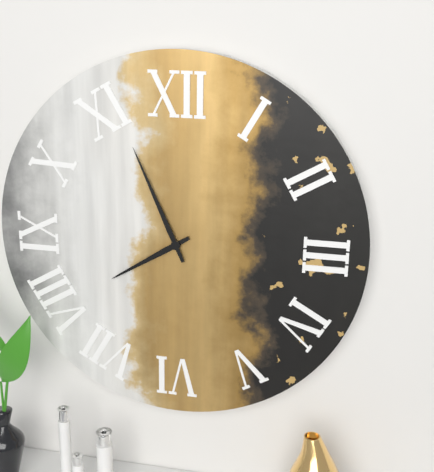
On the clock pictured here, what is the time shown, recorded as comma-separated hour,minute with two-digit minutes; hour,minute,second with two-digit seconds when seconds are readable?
7,56
